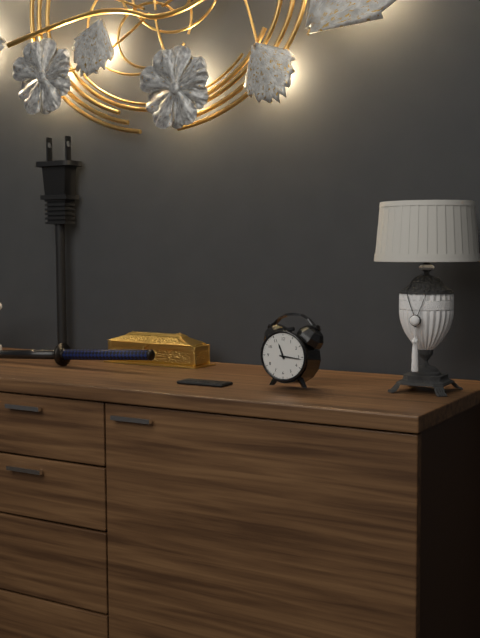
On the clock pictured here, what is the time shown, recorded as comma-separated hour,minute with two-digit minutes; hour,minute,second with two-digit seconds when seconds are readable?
11,16
